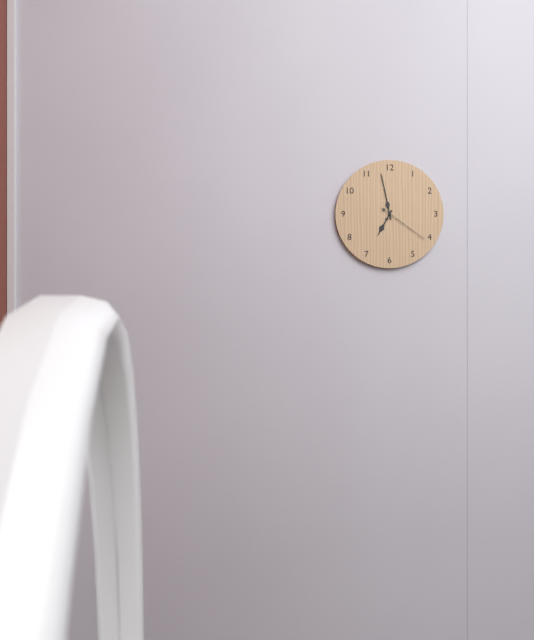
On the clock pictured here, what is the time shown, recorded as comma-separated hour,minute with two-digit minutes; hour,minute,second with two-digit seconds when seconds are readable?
6,58,21
